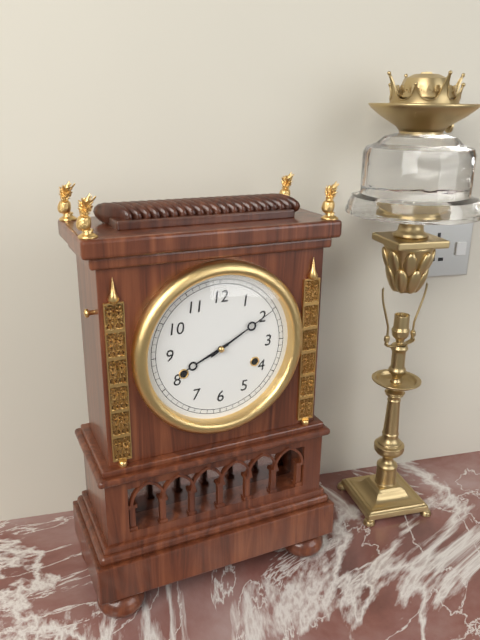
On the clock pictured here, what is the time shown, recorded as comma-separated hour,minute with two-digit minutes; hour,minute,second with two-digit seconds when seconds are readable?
8,10
